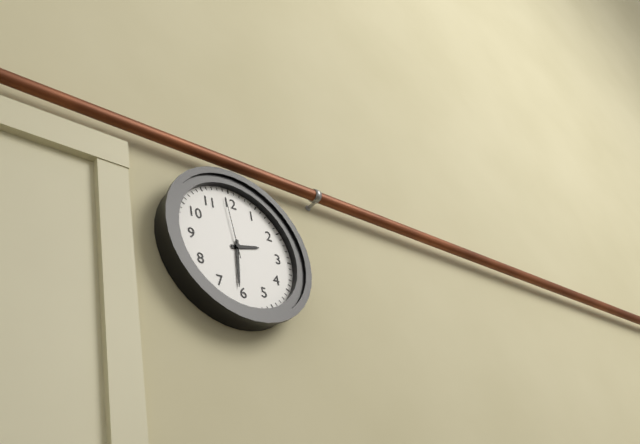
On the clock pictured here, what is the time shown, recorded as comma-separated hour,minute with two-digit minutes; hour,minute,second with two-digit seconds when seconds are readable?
2,31,59
